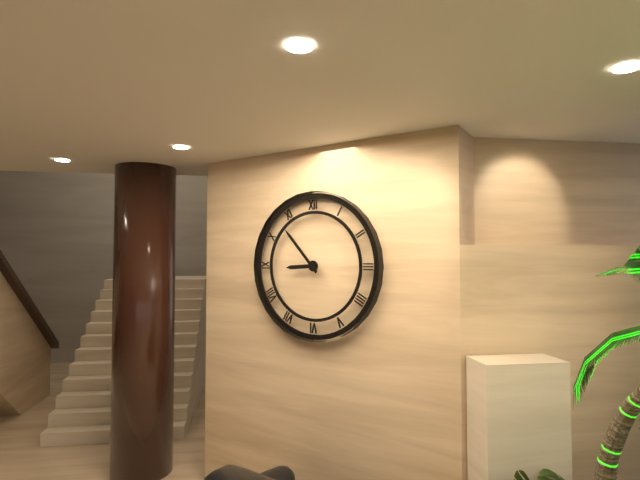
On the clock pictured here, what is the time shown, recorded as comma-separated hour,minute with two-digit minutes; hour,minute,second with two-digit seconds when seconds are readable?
8,53
